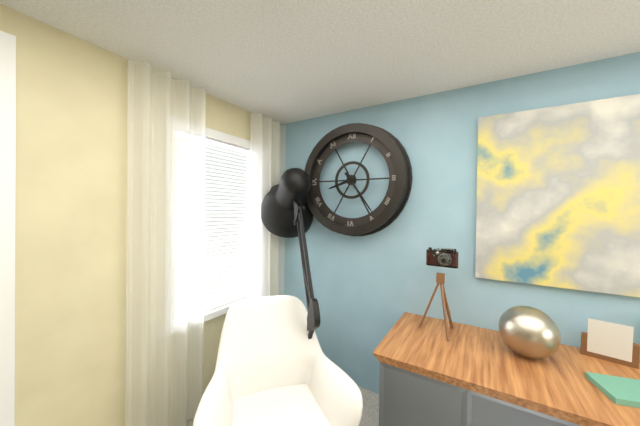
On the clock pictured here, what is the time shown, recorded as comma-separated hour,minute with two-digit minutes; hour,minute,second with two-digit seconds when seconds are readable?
8,24
